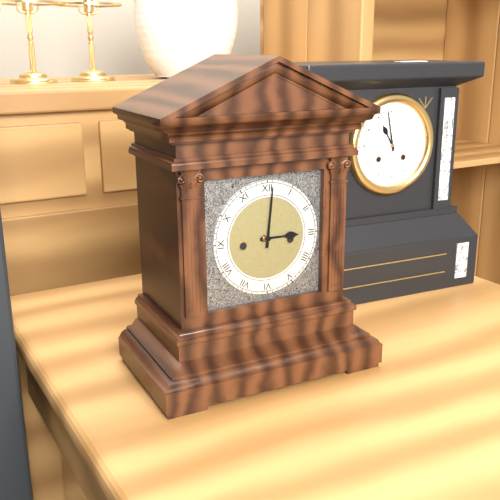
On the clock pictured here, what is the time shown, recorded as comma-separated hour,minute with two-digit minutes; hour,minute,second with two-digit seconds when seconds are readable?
3,01
